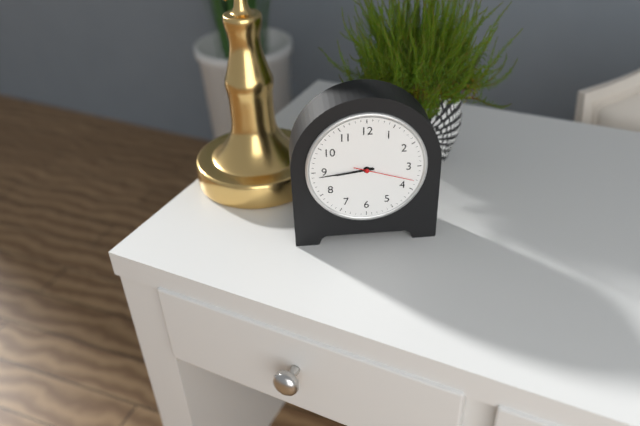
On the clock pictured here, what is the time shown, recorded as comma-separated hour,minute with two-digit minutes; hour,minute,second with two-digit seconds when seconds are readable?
8,44,18
